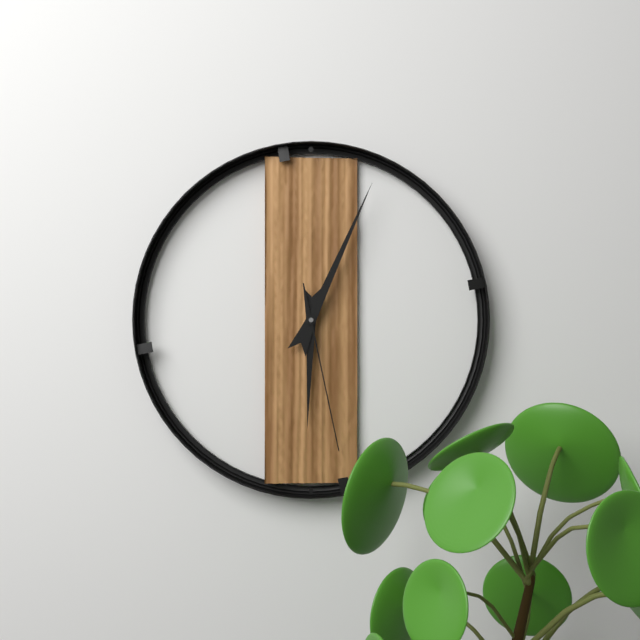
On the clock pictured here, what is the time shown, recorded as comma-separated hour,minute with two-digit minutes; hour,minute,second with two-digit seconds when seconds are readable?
6,04,28
